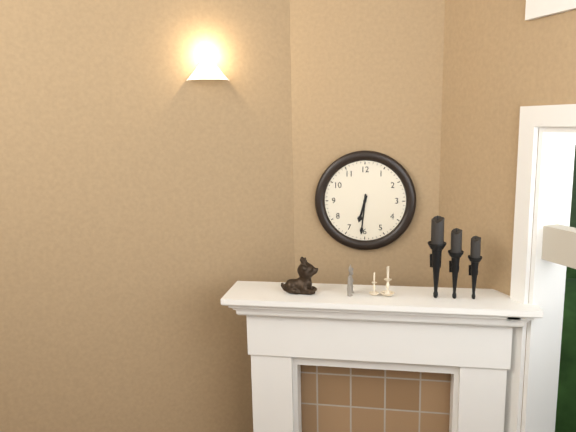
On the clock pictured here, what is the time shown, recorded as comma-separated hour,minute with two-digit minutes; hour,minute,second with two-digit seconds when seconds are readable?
6,31
